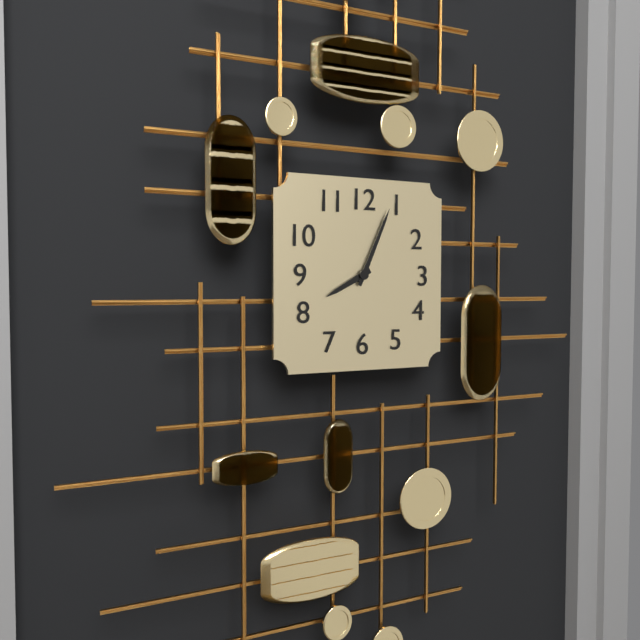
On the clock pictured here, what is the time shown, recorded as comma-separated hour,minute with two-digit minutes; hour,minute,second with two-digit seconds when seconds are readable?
8,04
